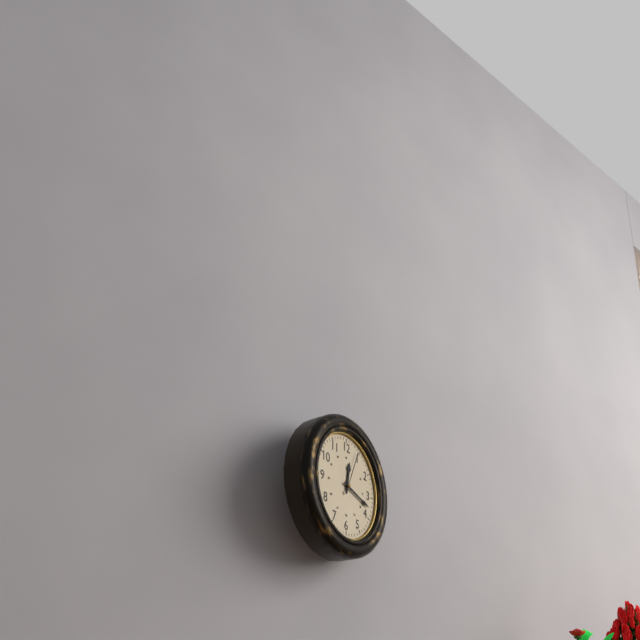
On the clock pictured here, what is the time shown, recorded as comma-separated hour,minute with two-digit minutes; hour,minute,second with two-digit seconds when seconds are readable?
12,18
